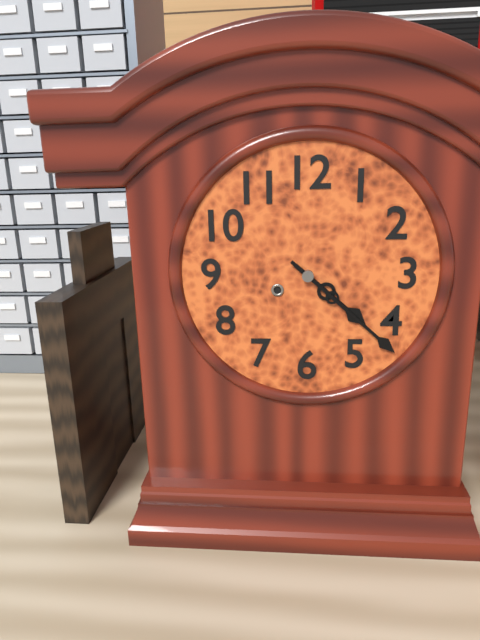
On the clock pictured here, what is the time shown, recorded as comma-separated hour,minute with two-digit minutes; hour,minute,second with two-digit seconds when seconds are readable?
4,22
